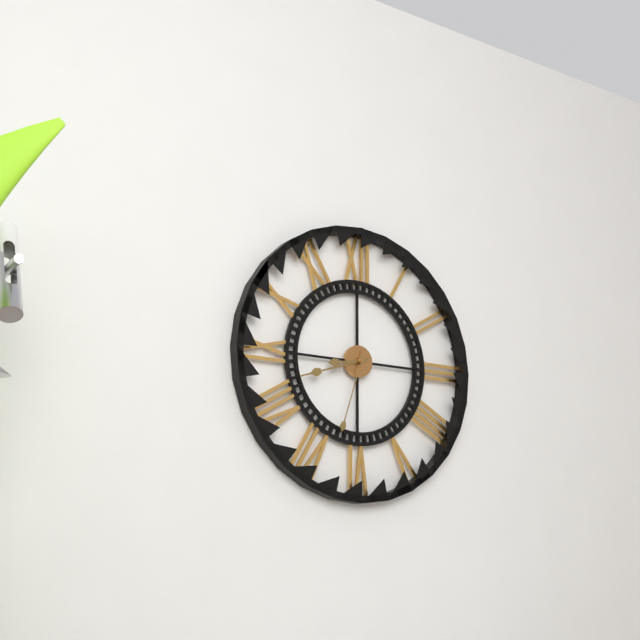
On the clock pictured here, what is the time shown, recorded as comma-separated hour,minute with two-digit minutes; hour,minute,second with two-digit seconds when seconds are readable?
8,42,33
